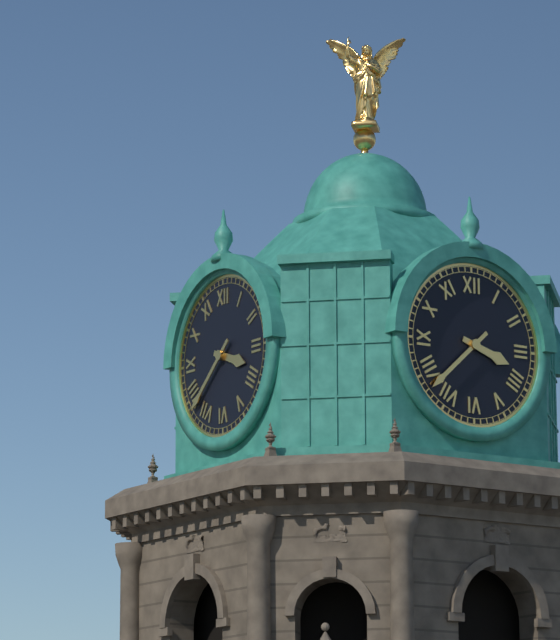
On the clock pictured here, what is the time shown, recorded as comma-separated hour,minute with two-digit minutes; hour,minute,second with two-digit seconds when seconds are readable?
3,38
